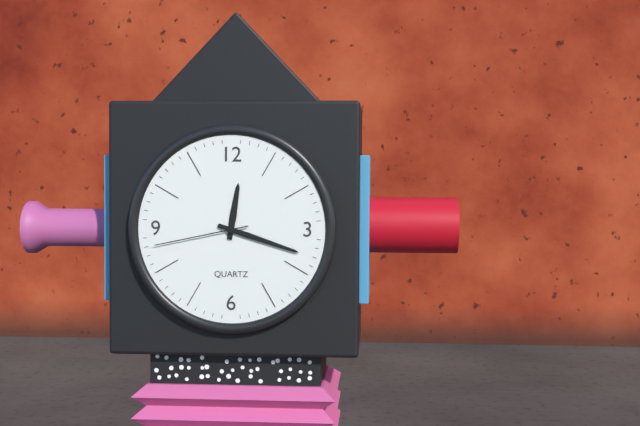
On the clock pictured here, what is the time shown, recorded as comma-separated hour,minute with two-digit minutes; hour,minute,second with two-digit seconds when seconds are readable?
12,18,43
